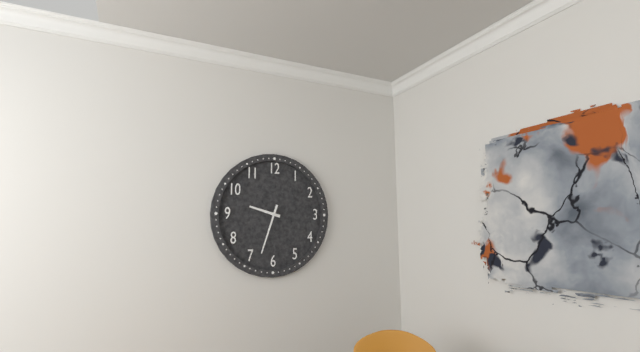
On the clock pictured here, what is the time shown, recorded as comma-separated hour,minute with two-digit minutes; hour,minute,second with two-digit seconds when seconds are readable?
9,33
